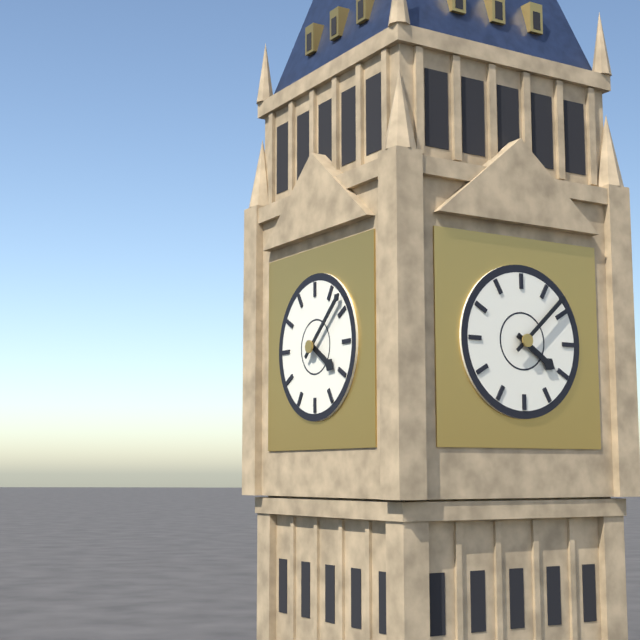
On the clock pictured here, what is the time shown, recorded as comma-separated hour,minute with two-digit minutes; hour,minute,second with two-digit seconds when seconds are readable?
4,08
